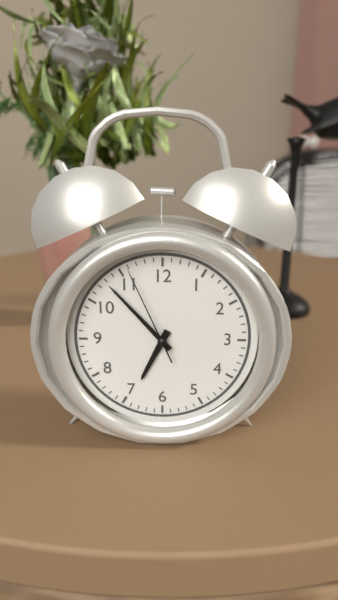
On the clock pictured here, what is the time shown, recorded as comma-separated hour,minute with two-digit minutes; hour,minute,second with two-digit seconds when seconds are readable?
6,53,56
